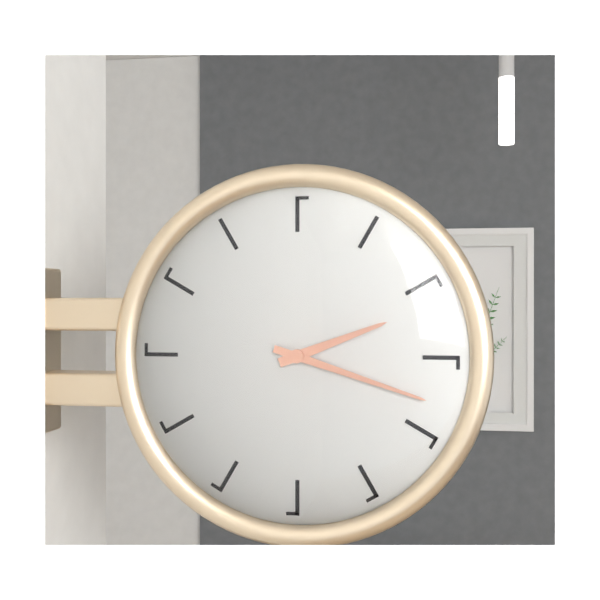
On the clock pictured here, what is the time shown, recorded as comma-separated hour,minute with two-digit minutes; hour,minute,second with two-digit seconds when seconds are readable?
2,18
